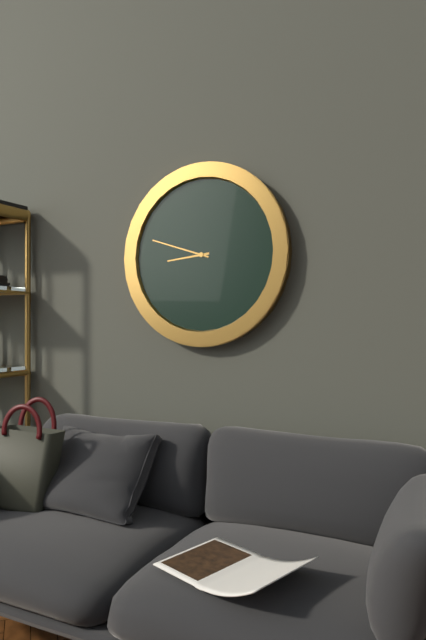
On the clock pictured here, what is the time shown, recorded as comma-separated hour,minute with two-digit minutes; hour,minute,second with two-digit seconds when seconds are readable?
8,48
